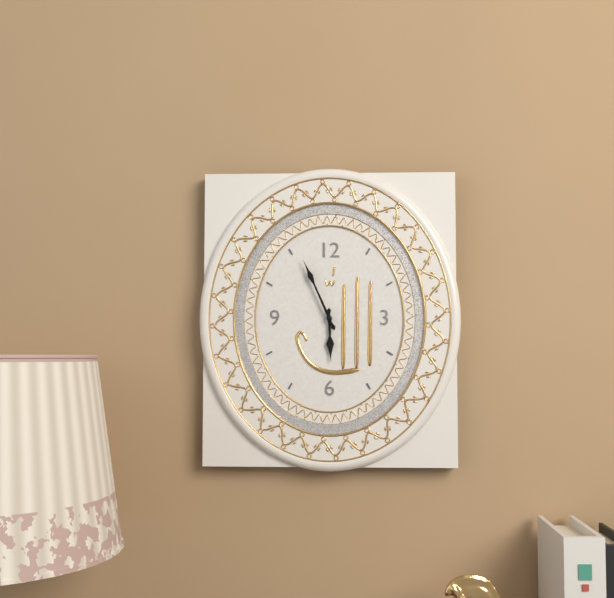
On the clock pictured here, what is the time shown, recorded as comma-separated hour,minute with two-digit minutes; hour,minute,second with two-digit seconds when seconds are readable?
5,56
